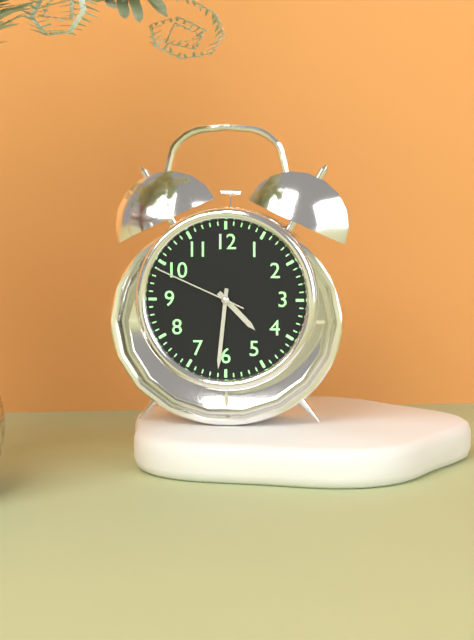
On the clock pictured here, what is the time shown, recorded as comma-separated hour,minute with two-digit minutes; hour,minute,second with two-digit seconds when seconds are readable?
4,31,49
